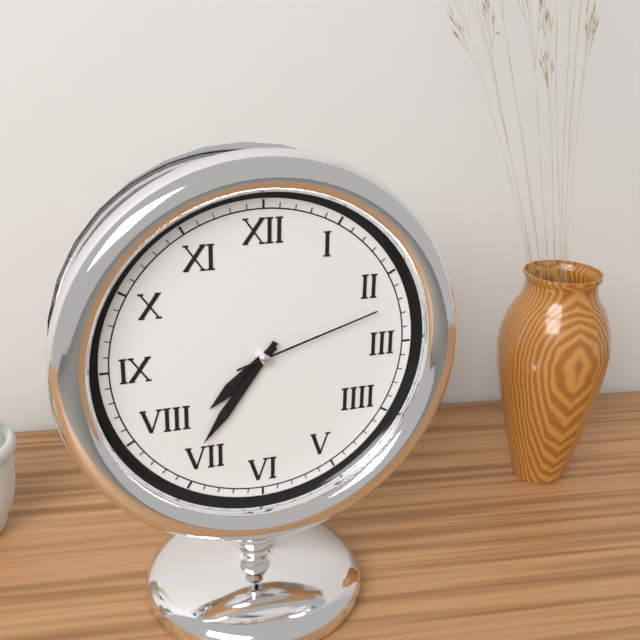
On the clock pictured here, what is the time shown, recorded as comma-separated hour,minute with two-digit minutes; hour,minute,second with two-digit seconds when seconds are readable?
7,36,12
